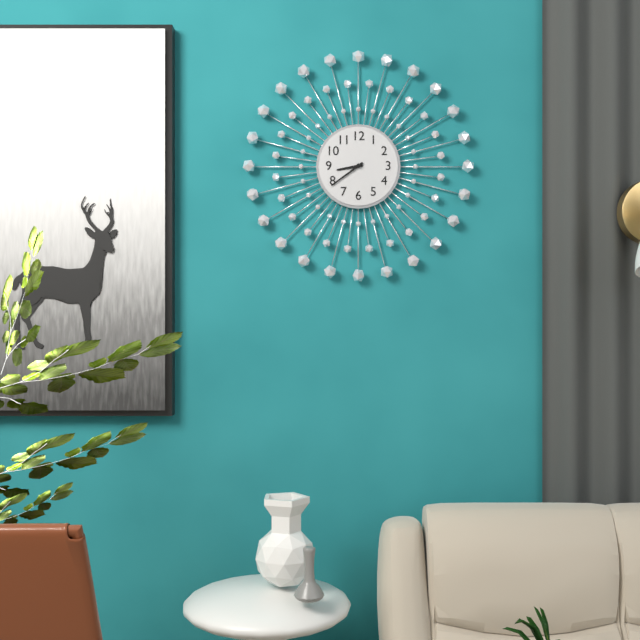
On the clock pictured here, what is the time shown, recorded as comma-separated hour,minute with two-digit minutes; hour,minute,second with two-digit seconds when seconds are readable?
8,39
